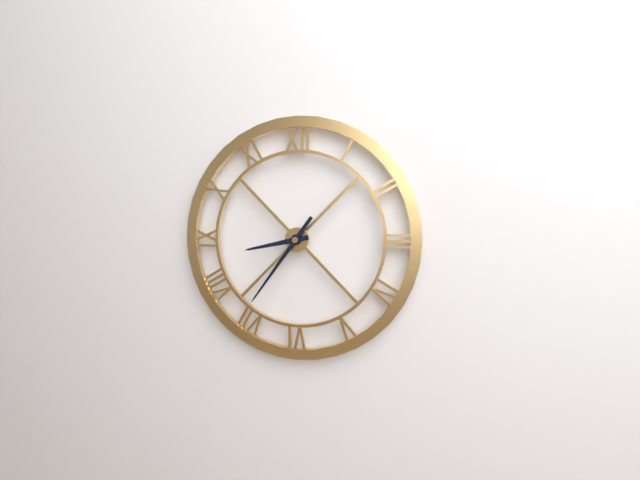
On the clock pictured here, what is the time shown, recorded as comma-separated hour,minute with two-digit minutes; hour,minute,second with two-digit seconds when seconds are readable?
8,36
